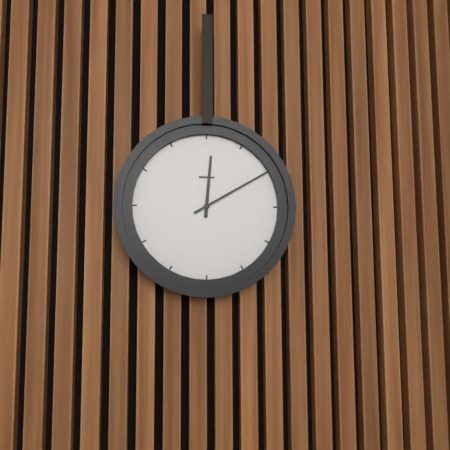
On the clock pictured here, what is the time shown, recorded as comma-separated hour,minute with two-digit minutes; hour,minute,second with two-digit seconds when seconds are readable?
12,10
